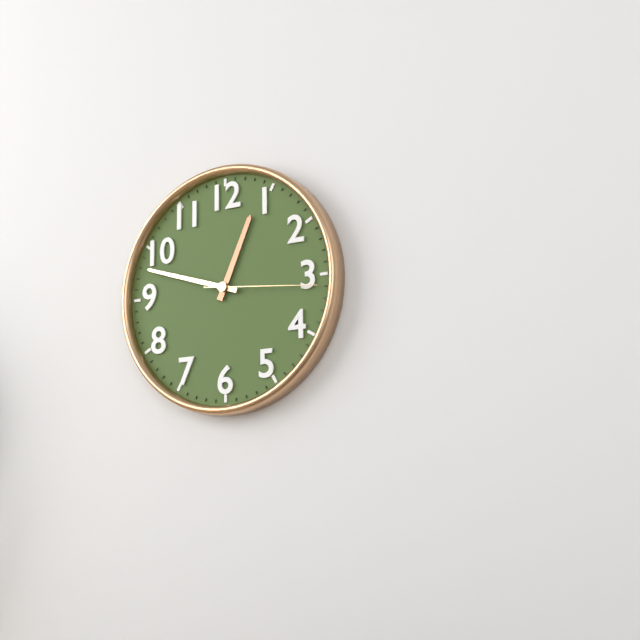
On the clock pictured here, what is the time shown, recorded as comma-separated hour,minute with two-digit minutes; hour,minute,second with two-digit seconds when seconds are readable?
12,48,16
